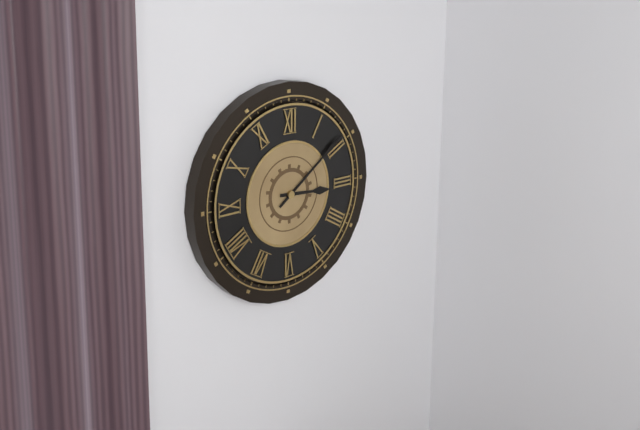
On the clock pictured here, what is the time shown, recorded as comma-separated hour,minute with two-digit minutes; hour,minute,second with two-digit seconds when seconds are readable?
3,09
